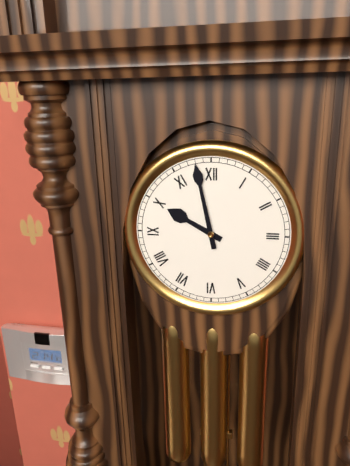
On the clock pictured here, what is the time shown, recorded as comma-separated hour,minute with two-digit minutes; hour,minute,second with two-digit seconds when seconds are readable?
9,58
